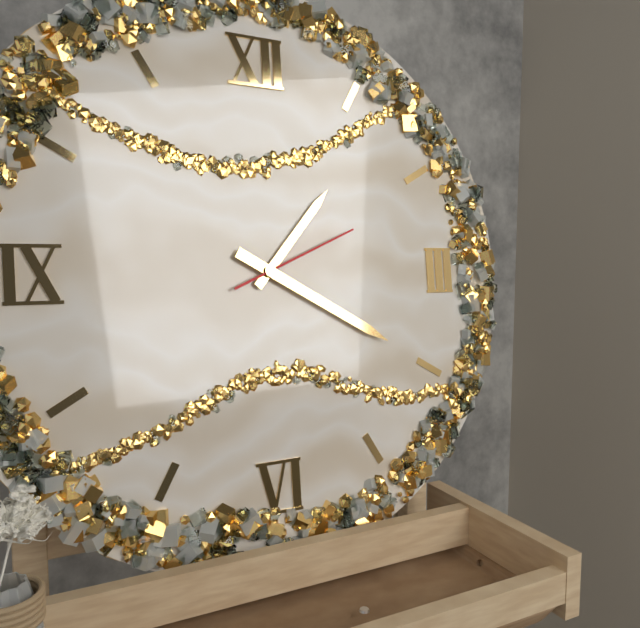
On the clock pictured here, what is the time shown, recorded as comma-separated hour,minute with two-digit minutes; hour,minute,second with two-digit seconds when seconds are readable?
1,20,11
